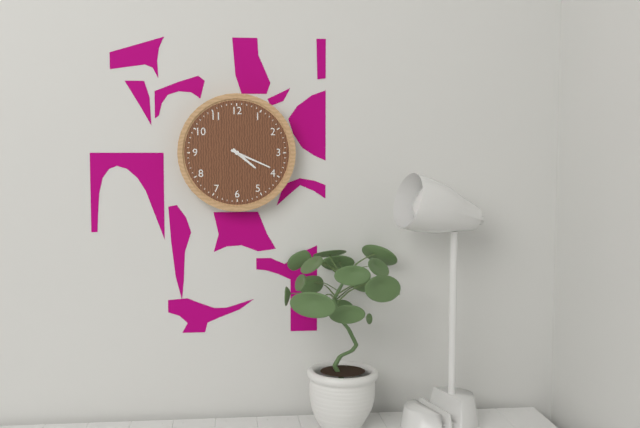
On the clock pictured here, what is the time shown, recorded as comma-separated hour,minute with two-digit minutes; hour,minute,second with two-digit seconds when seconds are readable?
4,19
